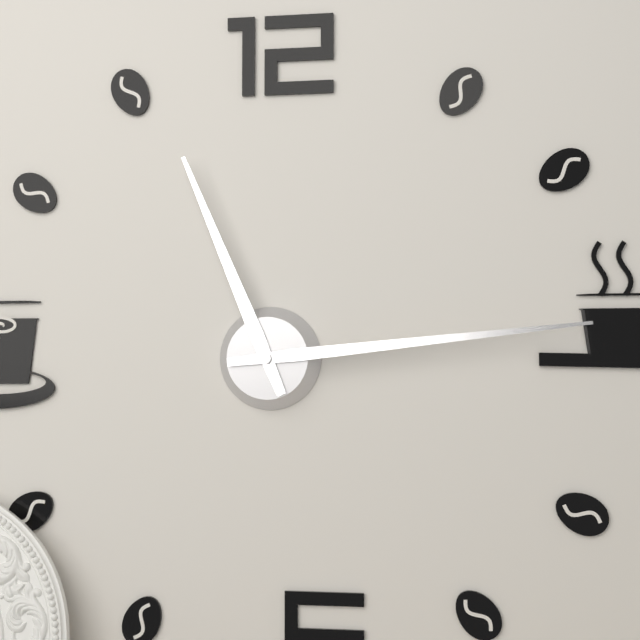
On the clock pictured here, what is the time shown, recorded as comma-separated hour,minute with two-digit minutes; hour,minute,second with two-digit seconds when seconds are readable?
11,14
